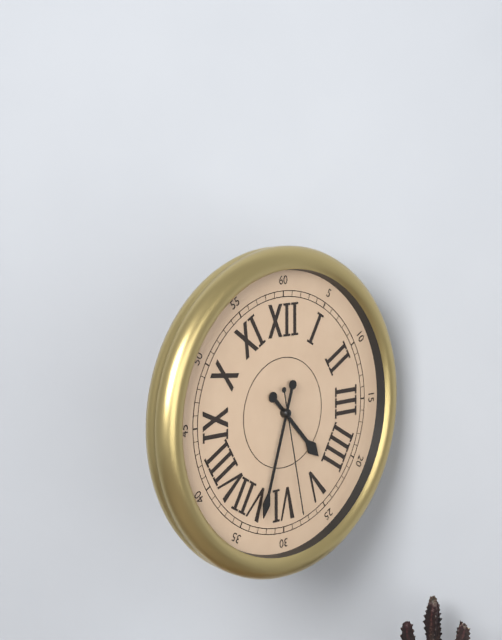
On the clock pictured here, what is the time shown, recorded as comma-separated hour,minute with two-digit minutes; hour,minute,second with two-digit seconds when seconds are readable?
4,33,28
